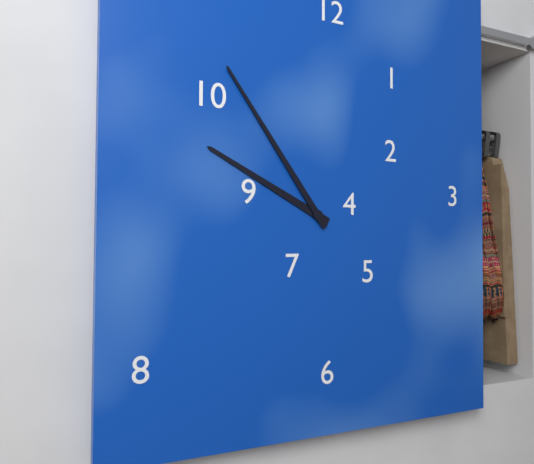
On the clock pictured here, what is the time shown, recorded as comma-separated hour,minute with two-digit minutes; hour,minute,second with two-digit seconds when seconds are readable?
9,54
